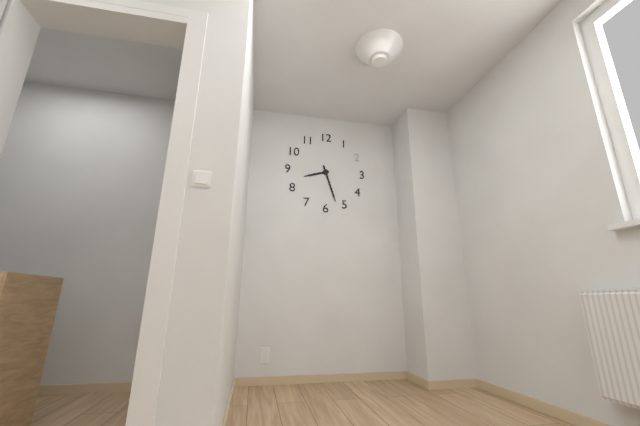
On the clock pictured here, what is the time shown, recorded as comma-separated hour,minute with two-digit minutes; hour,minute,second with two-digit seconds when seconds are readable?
8,27
